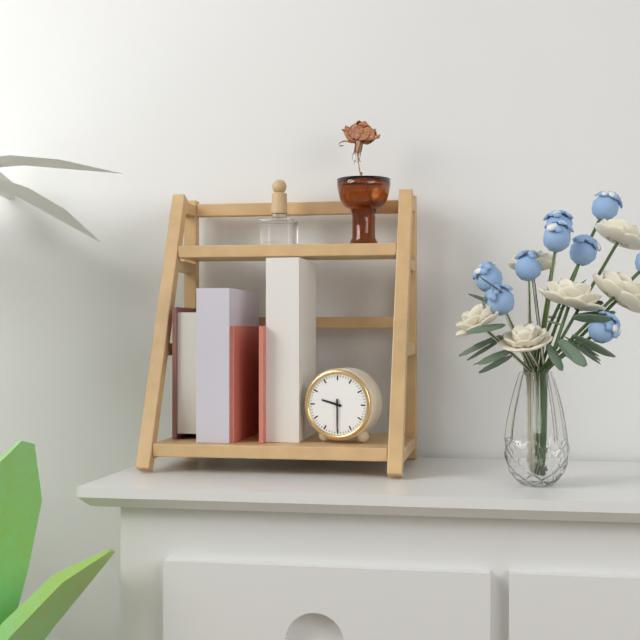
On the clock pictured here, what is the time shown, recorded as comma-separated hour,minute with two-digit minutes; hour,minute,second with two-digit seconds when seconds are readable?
9,30
